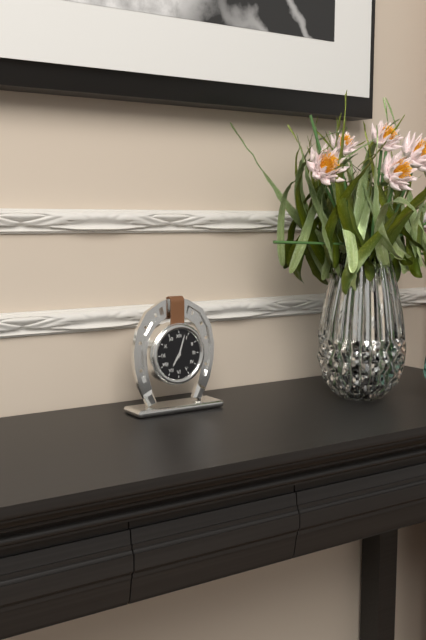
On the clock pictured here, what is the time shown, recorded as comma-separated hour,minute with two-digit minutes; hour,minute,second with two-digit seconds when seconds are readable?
7,03
